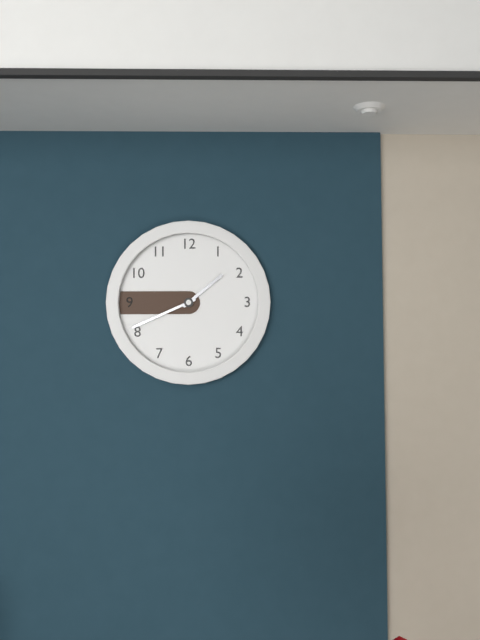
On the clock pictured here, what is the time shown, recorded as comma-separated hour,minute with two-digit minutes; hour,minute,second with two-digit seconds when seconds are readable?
1,41
